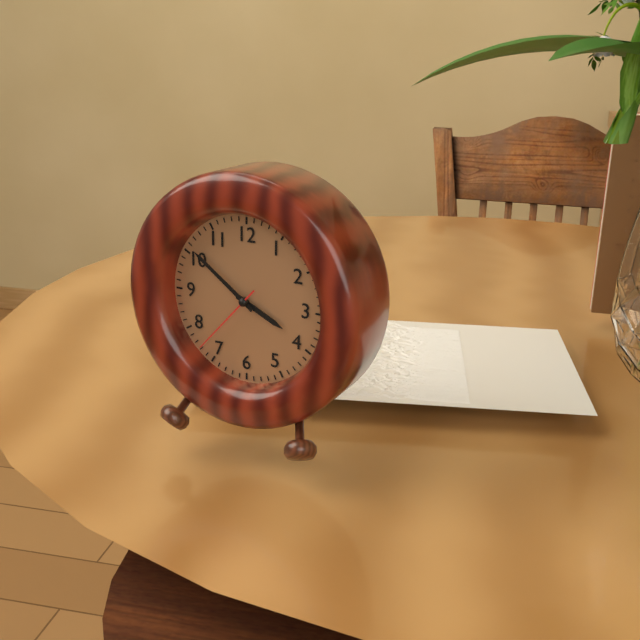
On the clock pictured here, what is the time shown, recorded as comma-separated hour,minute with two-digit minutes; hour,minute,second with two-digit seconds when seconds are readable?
3,51,37
